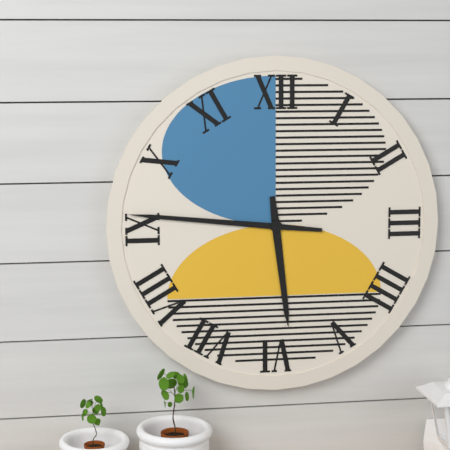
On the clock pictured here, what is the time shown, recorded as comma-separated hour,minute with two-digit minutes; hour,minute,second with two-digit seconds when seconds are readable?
5,46
